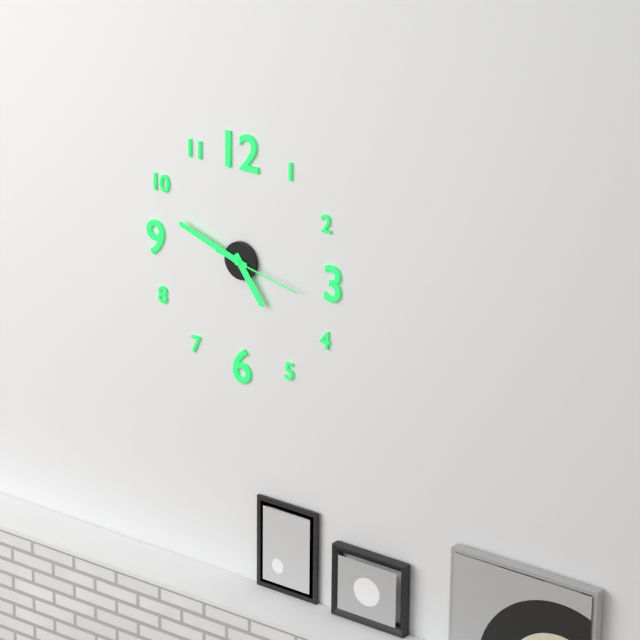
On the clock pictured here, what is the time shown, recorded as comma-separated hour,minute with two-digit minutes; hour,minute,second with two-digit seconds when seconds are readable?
4,48,17
